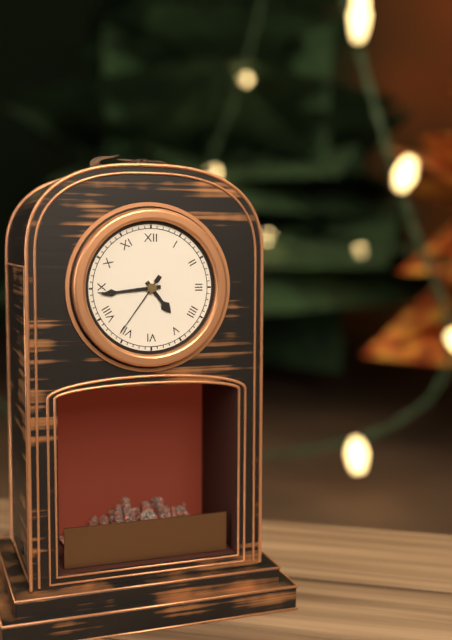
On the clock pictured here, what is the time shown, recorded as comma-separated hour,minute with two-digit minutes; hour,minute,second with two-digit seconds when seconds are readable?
4,44,36
